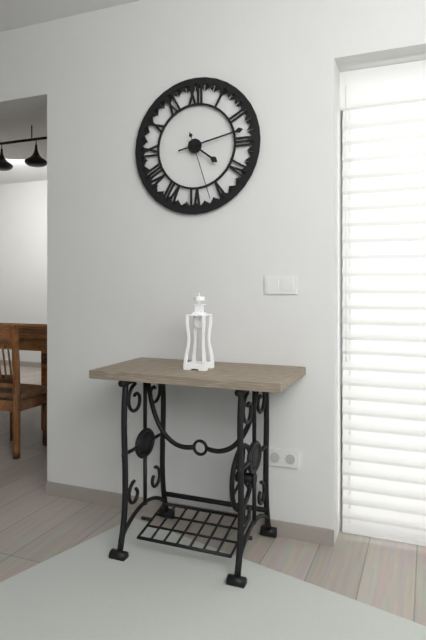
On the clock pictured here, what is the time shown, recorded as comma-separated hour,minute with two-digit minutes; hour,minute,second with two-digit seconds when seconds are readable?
4,13,27
